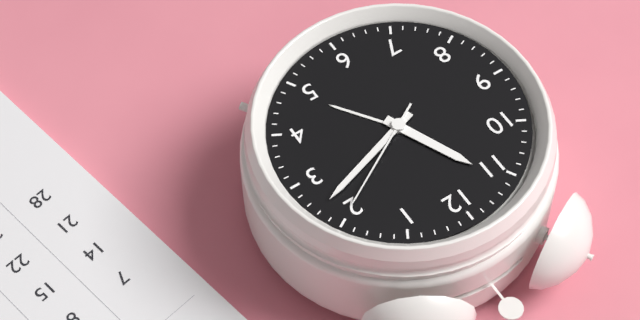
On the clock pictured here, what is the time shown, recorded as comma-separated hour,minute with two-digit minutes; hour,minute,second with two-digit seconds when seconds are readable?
11,12,10
